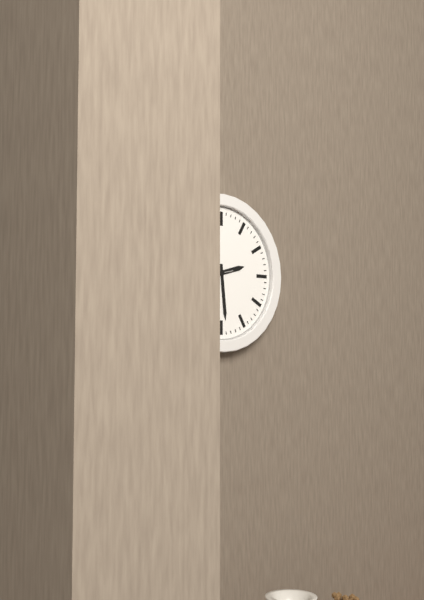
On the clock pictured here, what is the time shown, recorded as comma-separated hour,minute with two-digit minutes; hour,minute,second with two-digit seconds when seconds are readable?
2,29
